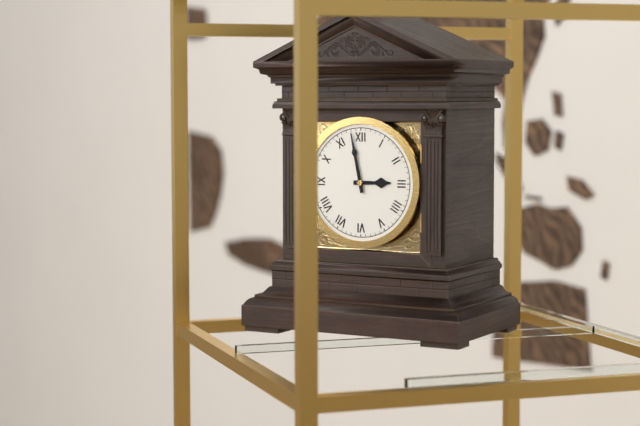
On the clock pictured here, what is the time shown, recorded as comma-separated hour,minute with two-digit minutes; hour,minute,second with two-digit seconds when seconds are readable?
2,58
